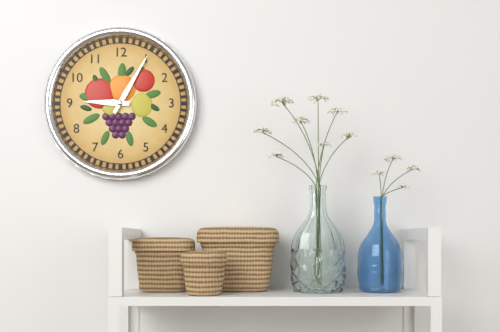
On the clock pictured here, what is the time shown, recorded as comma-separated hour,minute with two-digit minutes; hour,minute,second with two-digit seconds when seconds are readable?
9,05
